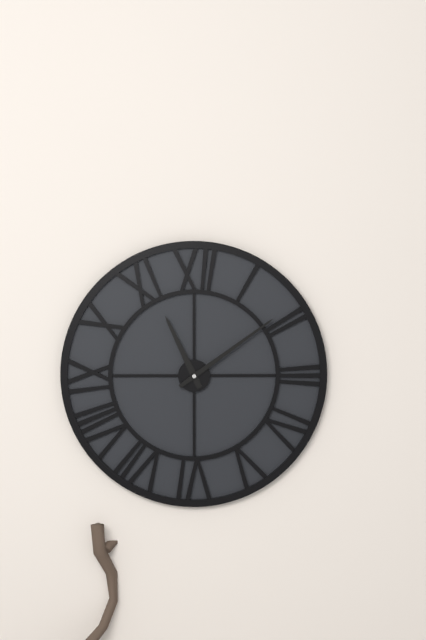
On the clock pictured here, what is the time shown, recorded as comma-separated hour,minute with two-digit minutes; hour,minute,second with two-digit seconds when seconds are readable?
11,09
